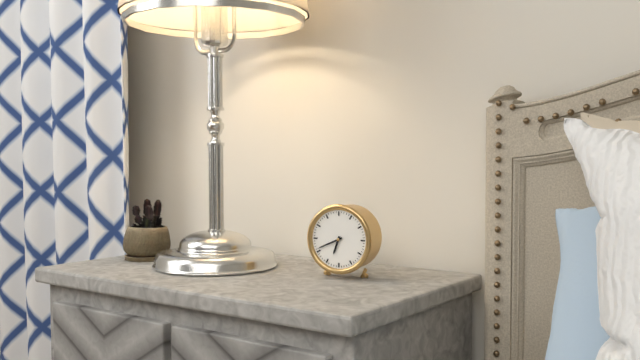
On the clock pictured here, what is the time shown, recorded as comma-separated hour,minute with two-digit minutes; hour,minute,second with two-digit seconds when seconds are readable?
6,41
